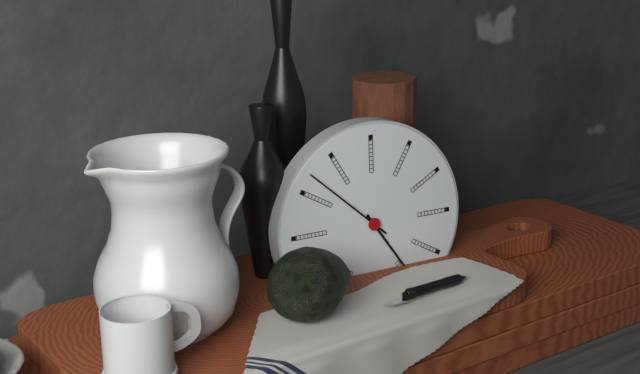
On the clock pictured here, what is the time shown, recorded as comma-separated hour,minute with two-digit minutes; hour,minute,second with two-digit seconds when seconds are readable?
4,52
